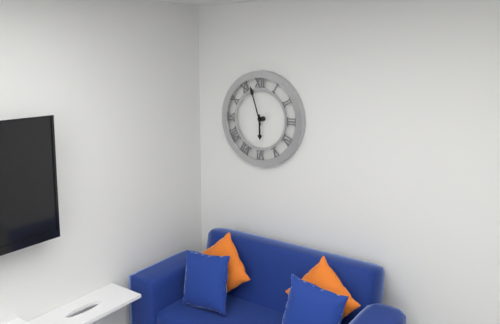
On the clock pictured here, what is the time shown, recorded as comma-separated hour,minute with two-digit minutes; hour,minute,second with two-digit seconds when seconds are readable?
5,57
